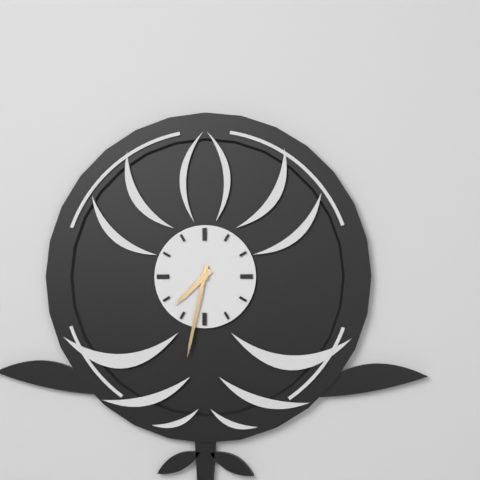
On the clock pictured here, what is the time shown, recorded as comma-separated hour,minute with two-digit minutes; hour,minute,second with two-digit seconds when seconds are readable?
7,32
